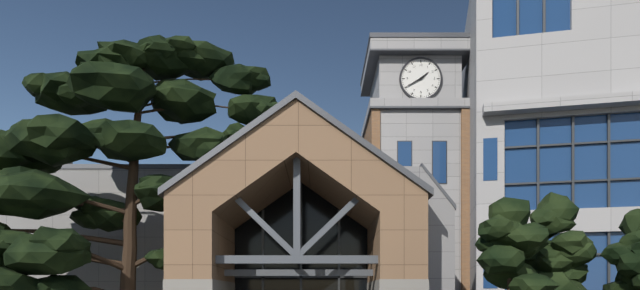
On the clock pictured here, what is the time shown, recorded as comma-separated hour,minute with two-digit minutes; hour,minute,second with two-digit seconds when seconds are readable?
1,40
